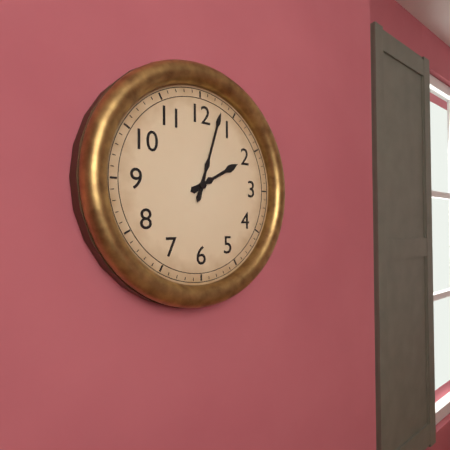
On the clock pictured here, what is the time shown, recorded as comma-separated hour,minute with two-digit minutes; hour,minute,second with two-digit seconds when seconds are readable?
2,03
